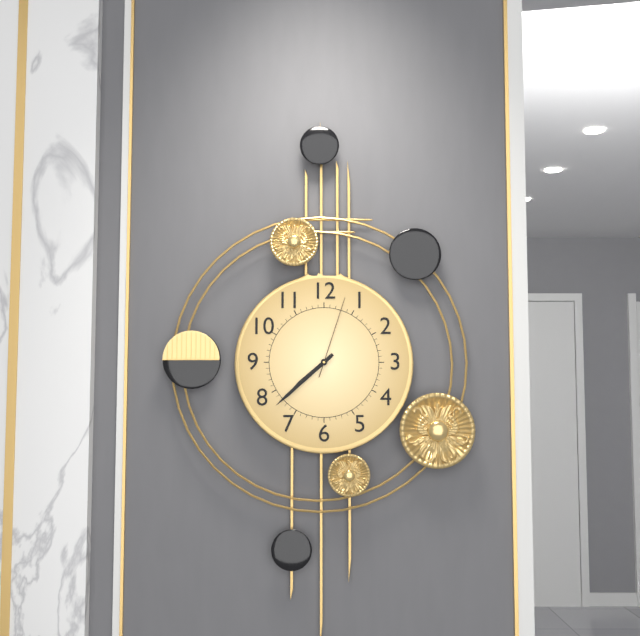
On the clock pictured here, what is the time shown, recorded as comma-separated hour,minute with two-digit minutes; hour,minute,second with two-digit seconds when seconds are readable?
7,38,03
